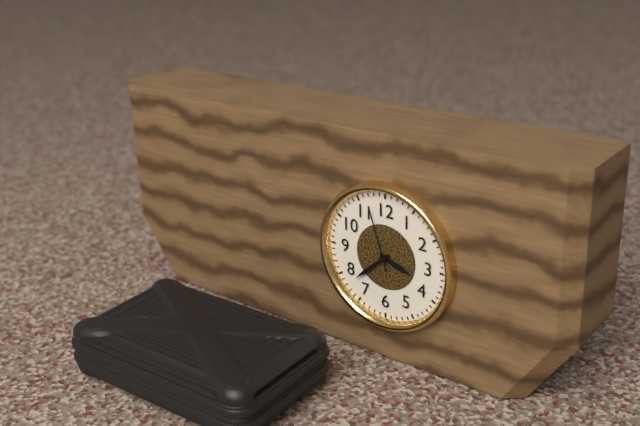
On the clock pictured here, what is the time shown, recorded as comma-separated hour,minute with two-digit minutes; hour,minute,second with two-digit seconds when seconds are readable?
3,38,57
